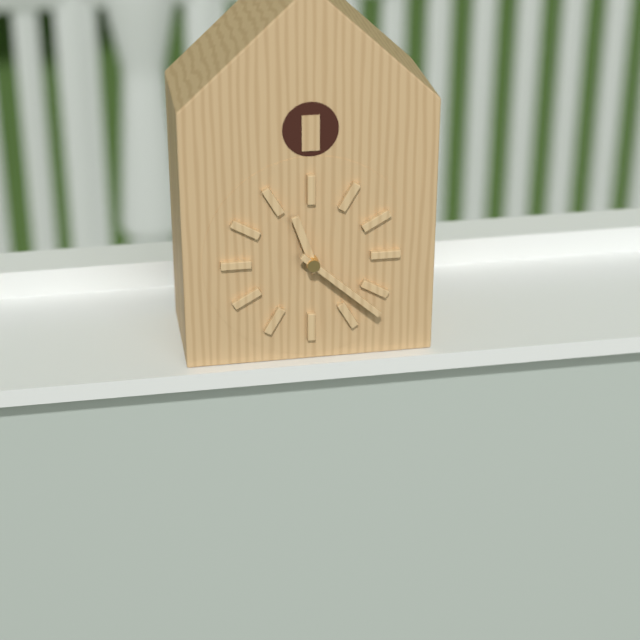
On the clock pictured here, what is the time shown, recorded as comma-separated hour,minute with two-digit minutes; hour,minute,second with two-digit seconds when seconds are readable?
11,22
